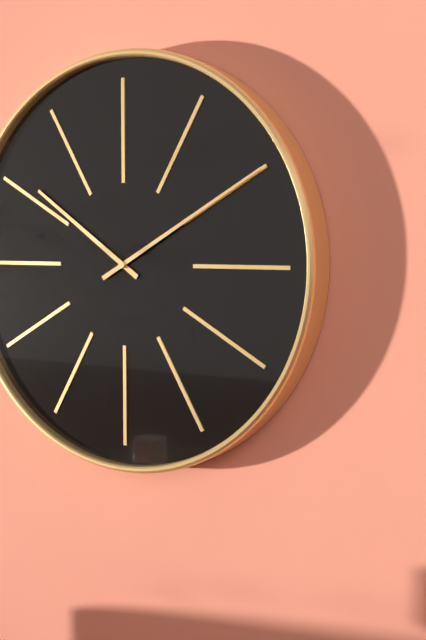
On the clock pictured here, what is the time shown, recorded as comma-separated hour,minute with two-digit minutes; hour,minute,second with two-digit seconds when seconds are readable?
10,10
